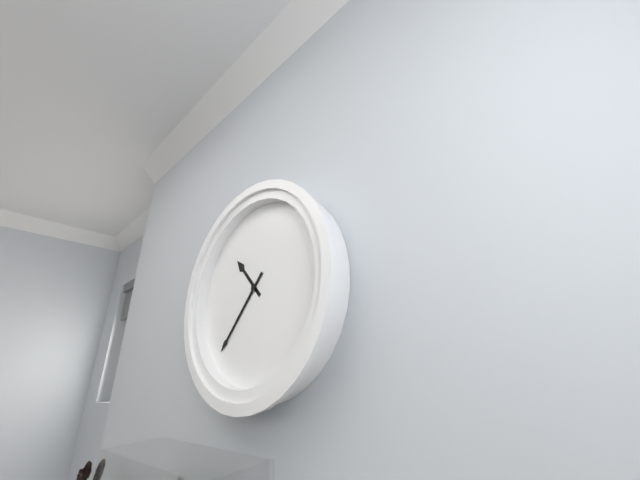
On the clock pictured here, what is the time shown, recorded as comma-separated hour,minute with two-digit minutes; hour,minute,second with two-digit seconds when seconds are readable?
10,37
